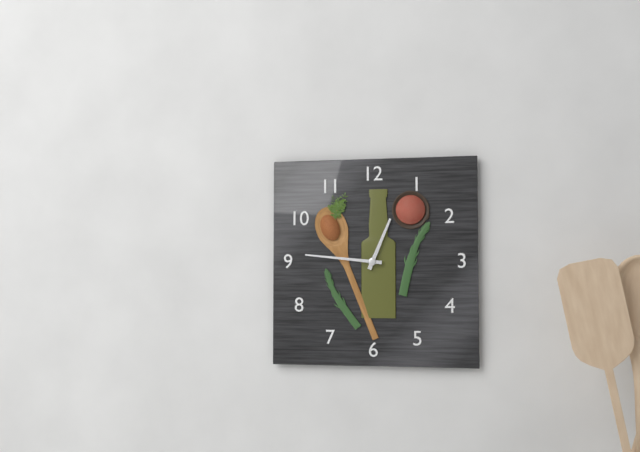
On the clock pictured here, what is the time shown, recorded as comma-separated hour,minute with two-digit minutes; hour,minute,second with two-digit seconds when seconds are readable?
12,46
